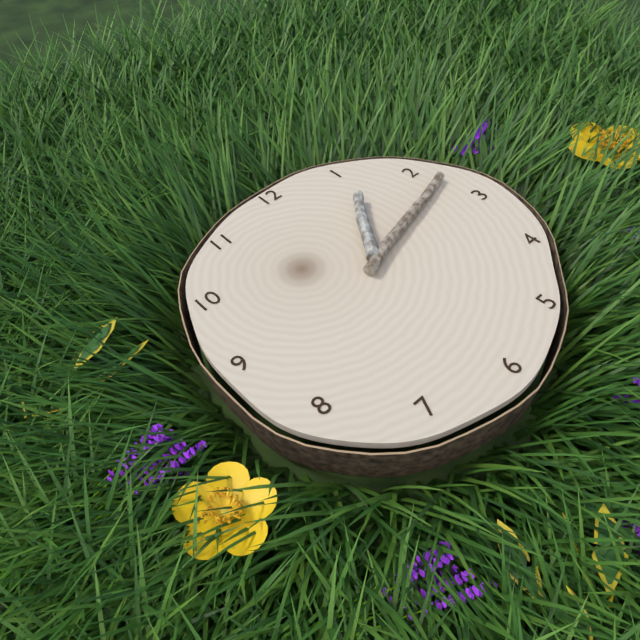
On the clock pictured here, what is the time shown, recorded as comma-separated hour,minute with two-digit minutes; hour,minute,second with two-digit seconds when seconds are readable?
1,12
